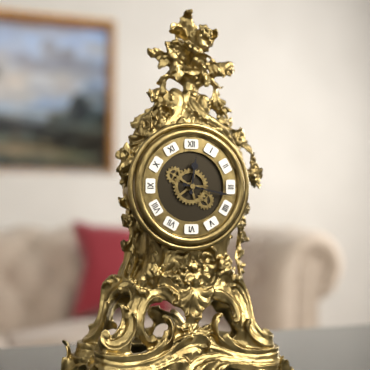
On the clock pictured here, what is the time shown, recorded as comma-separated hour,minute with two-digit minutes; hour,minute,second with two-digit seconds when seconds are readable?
12,17
